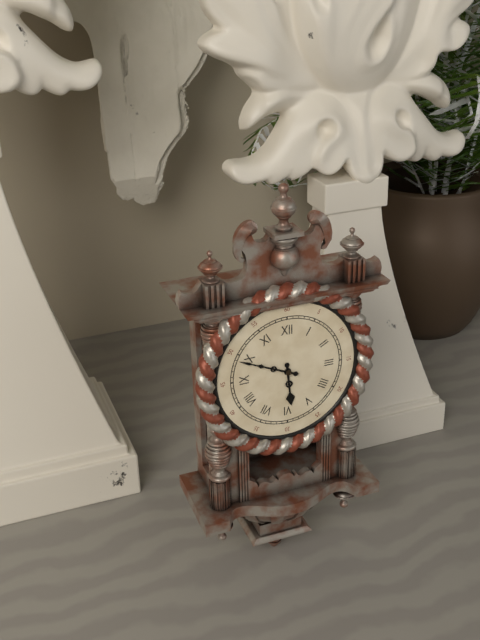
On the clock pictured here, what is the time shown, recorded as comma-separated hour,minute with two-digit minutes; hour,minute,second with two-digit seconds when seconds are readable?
5,49
